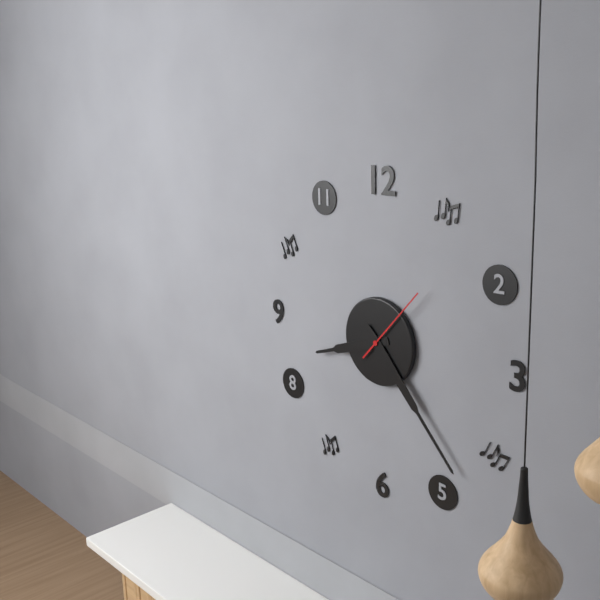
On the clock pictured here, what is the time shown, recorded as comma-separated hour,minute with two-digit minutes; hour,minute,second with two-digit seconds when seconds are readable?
8,23,07
